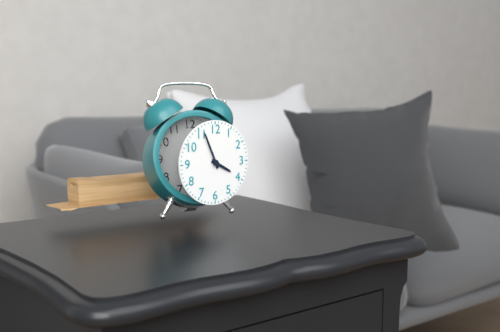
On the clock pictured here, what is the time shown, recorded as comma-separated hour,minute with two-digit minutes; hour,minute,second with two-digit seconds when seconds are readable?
3,56
